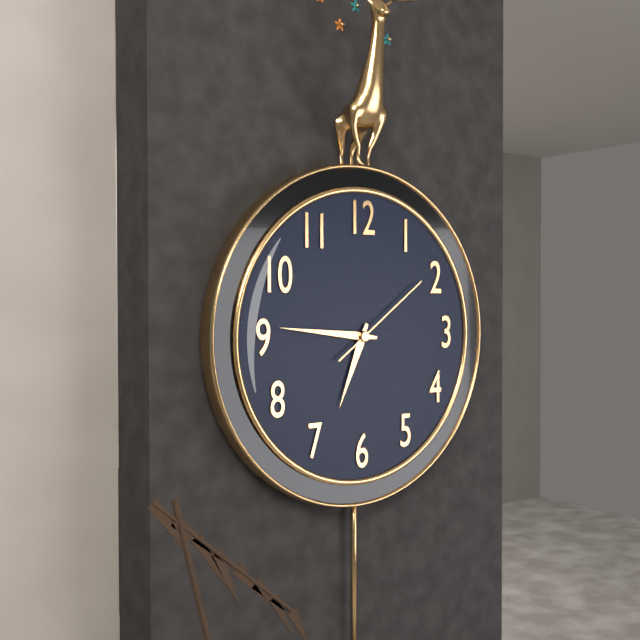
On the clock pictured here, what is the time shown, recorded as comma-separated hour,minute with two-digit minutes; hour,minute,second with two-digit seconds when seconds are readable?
6,46,09
